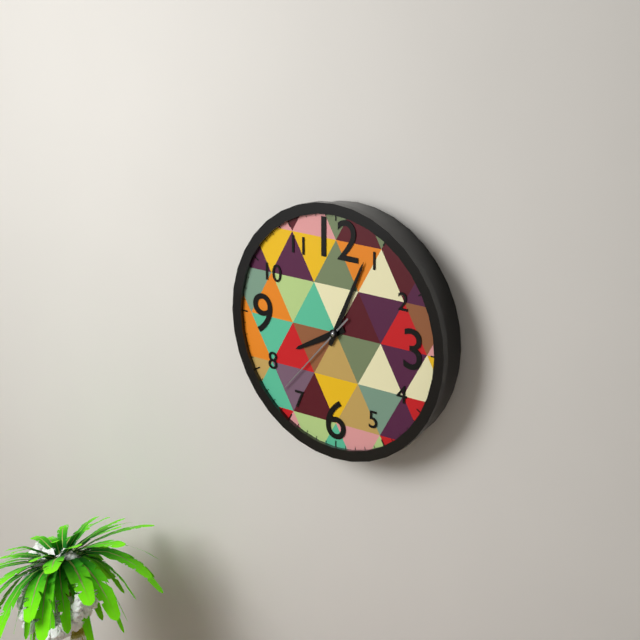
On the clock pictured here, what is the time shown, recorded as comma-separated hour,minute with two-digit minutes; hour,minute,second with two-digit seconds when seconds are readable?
8,04,37
